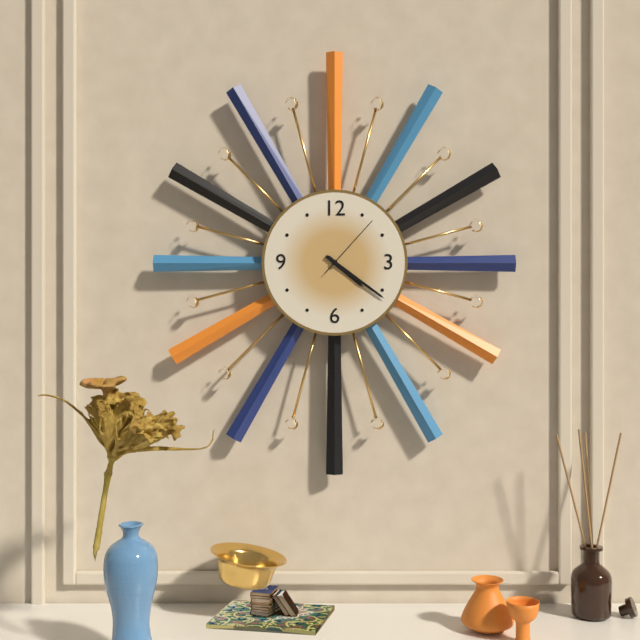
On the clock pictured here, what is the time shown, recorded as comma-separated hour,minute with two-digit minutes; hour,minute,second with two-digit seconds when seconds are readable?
4,21,07
